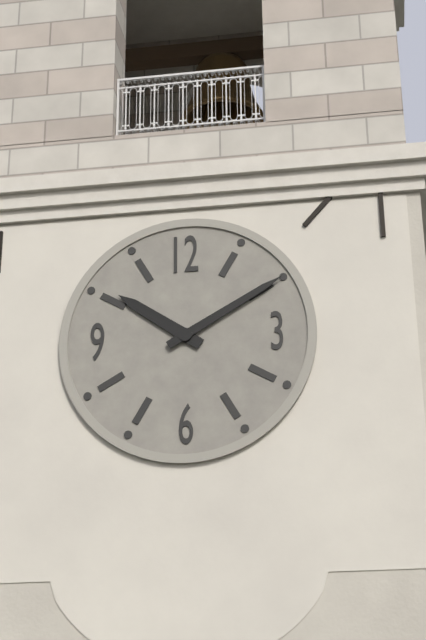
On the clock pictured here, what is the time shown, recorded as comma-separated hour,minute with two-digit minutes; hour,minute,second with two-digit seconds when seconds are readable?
10,10
